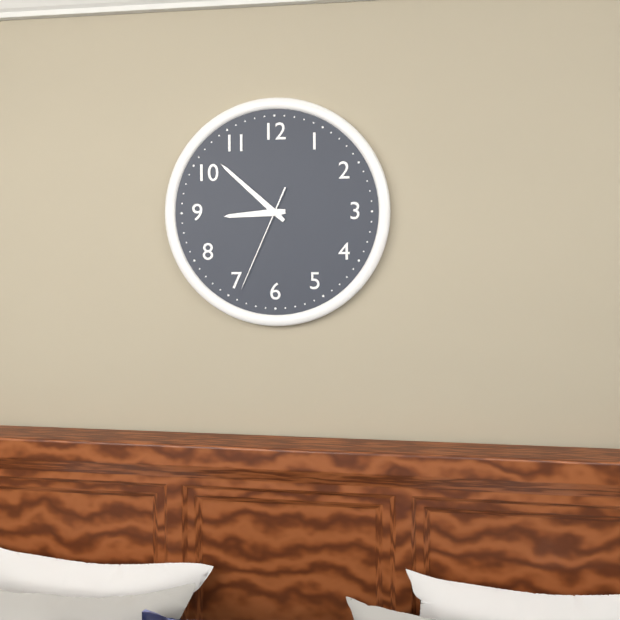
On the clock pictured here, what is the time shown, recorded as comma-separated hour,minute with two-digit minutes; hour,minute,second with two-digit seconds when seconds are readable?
8,52,34
